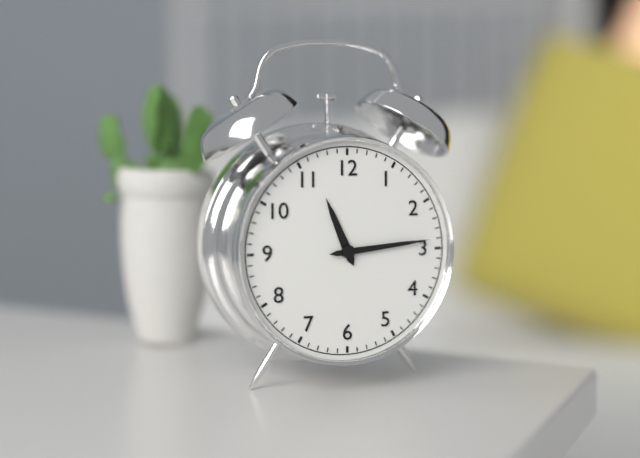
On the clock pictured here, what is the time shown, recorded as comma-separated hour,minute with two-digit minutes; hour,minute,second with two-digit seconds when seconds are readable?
11,14
